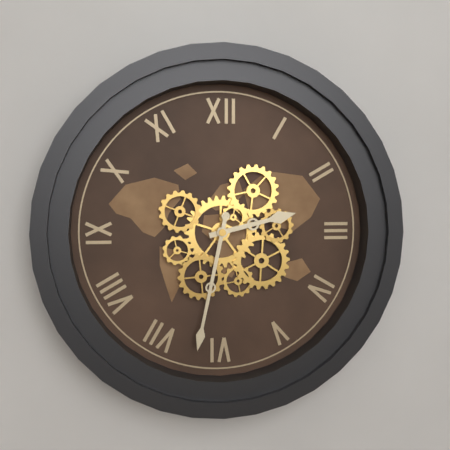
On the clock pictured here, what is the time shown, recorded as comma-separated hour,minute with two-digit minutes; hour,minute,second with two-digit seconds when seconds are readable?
2,32
